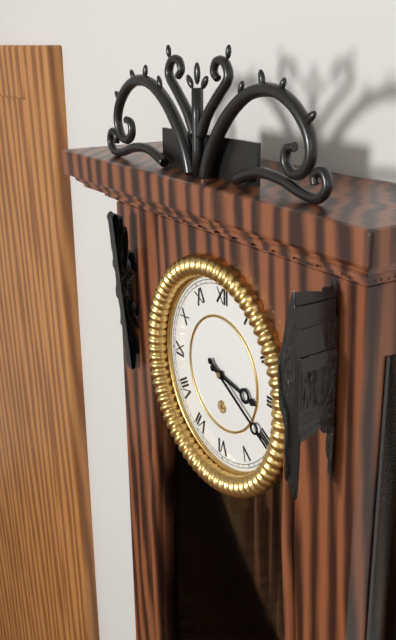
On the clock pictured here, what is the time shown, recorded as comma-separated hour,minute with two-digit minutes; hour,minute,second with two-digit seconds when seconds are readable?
3,20
